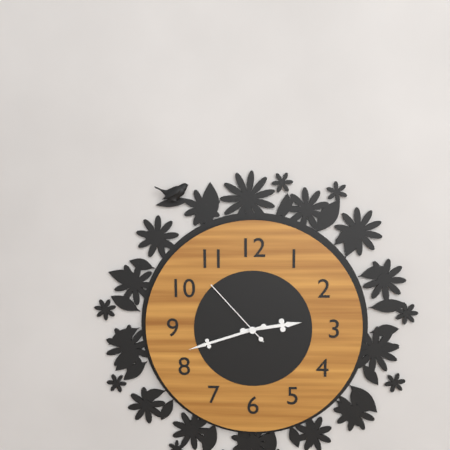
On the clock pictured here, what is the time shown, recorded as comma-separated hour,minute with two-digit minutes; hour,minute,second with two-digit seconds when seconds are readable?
2,42,53
